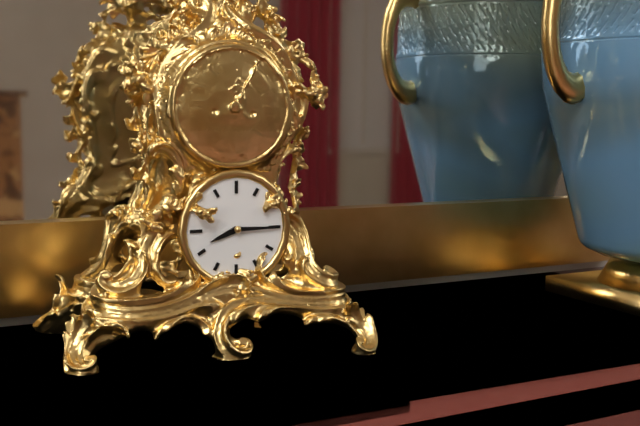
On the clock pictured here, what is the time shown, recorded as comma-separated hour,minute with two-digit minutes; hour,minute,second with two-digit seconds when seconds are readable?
8,15
